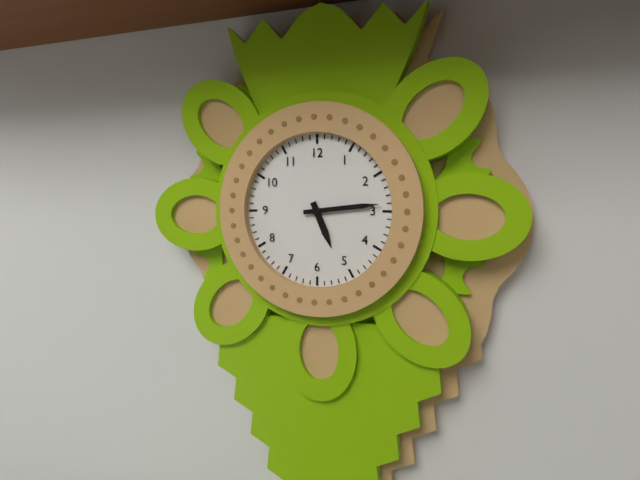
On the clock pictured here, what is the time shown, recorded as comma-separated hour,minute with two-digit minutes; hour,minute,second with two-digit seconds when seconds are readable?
5,14
